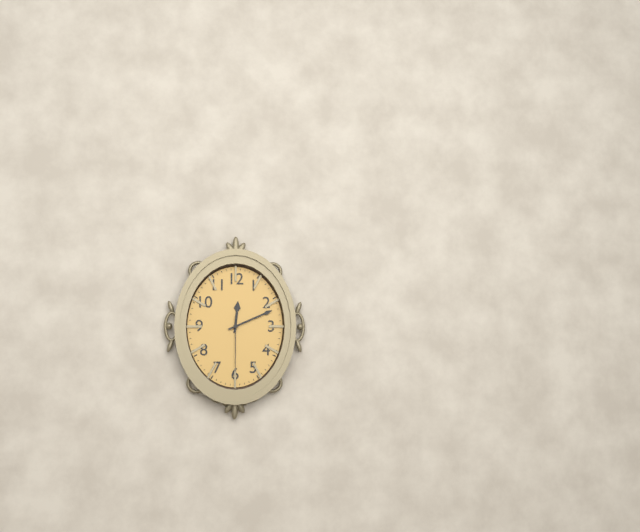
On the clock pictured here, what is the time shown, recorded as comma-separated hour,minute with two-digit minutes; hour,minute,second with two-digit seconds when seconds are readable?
12,11,30
